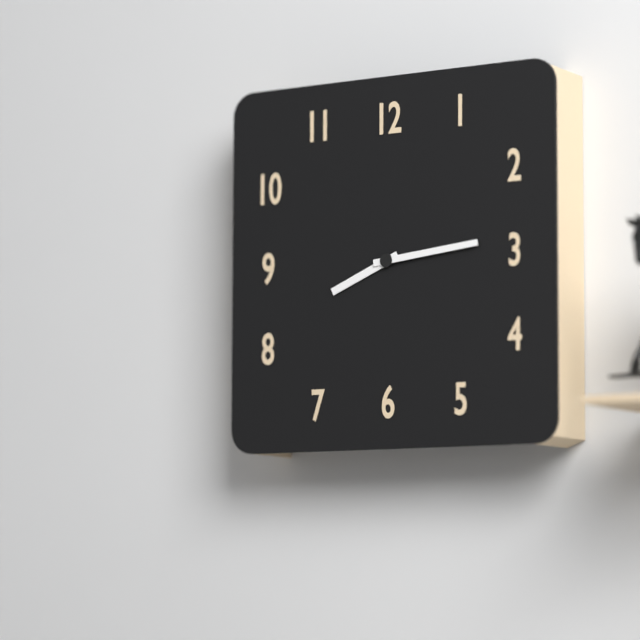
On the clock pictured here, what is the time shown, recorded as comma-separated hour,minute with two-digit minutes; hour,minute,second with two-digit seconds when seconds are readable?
8,14
